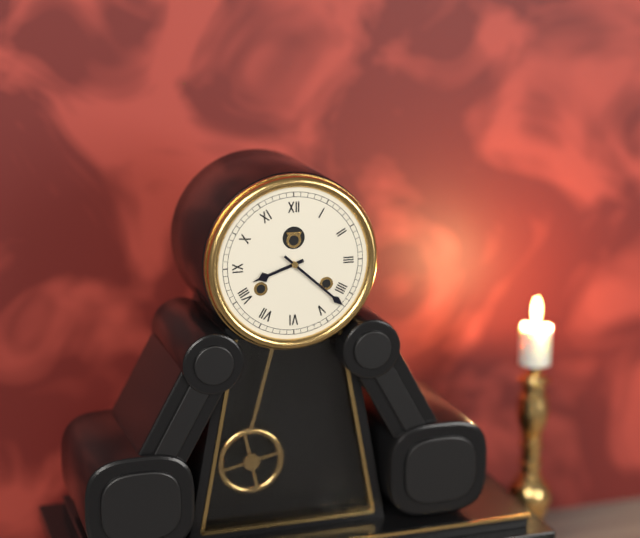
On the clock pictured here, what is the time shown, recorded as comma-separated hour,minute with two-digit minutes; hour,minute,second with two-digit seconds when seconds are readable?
8,22
